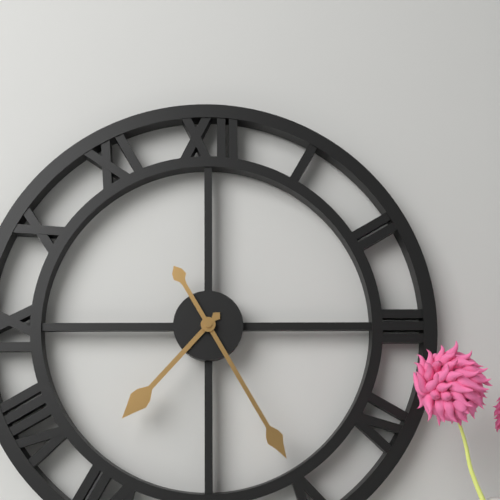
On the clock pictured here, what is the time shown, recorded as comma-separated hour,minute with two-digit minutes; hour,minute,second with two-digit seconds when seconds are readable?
7,25
